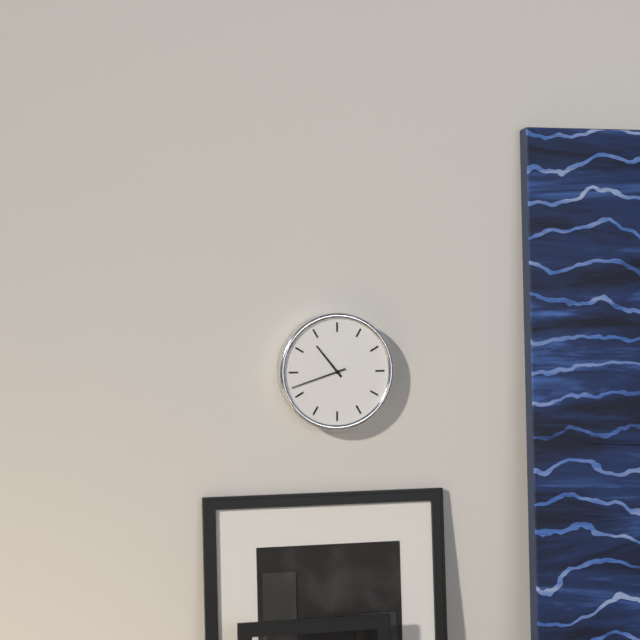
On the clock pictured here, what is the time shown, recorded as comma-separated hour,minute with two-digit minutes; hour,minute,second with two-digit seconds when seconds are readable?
10,42
